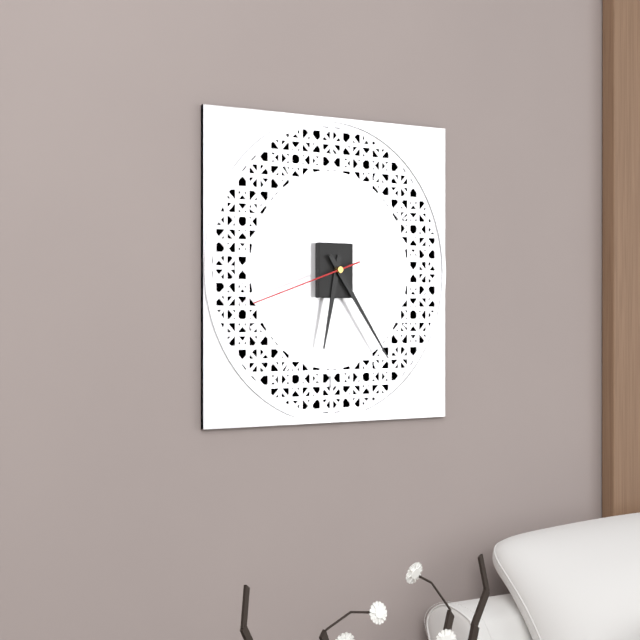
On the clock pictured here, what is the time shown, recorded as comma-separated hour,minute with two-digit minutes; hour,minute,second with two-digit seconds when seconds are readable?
6,24,42
